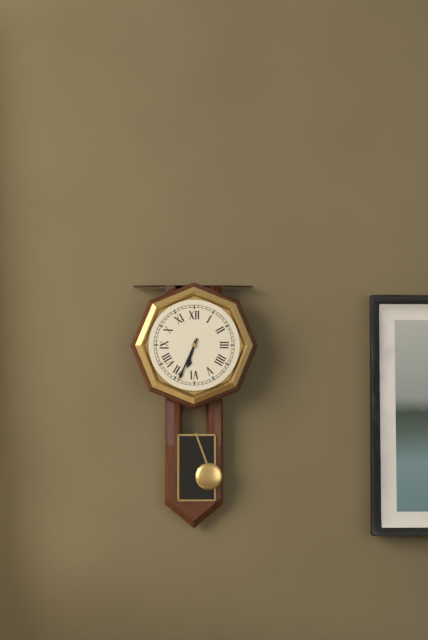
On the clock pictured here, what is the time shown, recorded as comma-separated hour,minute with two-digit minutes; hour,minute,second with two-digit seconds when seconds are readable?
6,34
